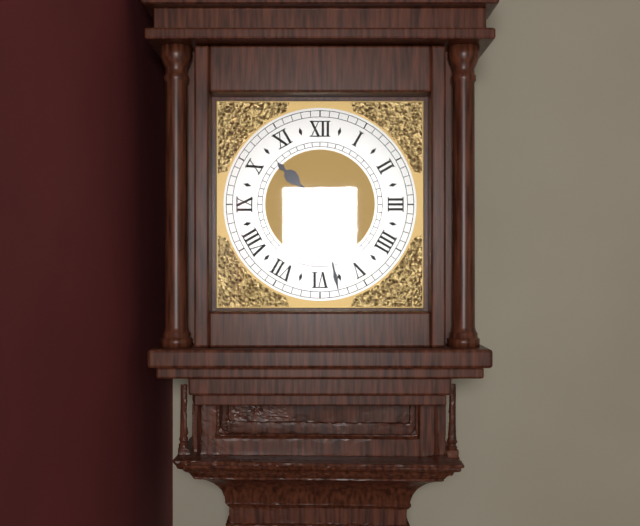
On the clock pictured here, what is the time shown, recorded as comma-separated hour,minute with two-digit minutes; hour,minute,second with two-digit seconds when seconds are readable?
10,28
